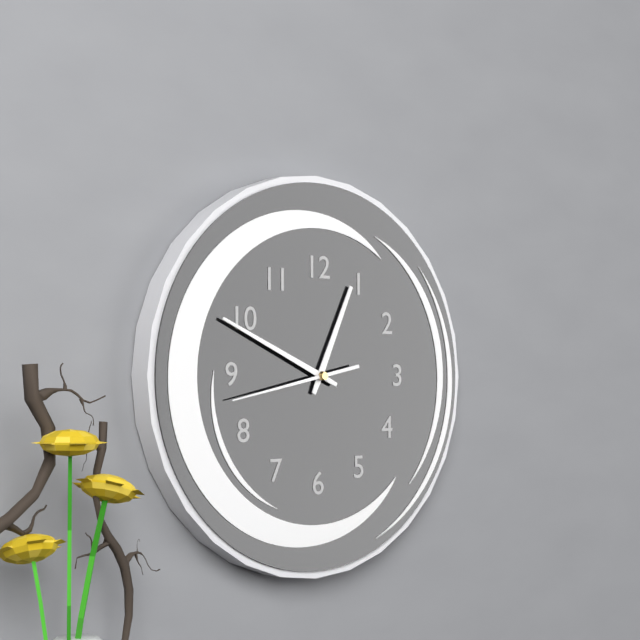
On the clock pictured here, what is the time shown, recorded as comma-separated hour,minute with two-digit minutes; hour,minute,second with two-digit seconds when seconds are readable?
12,49,43
